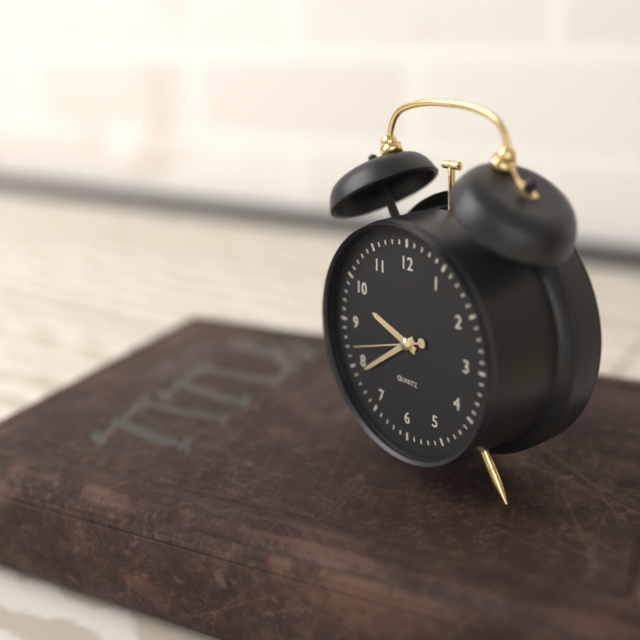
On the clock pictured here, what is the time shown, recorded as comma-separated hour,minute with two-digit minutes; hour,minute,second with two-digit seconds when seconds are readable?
9,39,42
